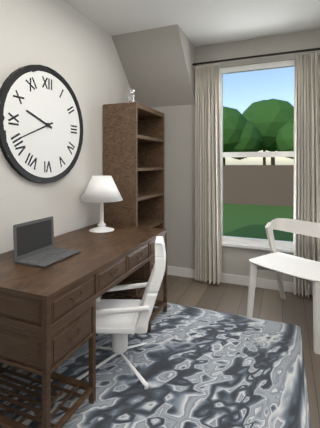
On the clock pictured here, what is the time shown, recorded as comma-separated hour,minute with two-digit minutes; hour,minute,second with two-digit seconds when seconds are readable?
9,41
